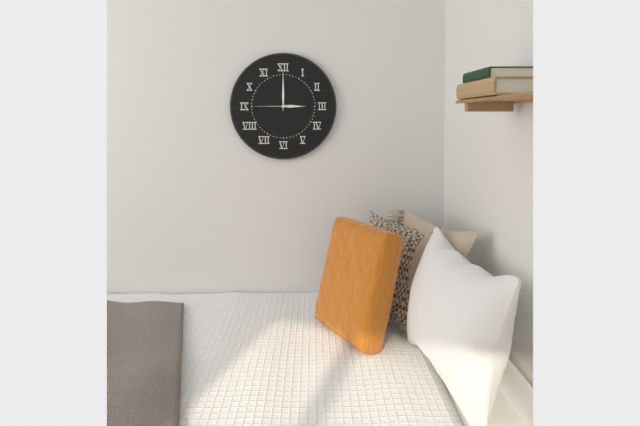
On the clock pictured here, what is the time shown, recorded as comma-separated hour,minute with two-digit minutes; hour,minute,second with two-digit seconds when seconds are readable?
3,00
